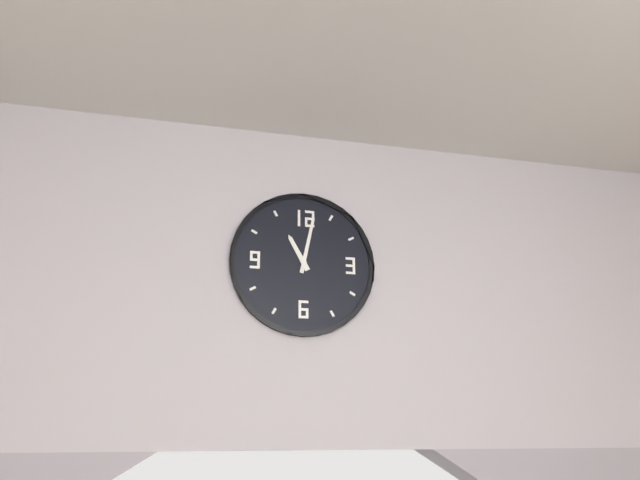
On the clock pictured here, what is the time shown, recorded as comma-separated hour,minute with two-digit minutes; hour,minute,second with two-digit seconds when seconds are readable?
11,02
